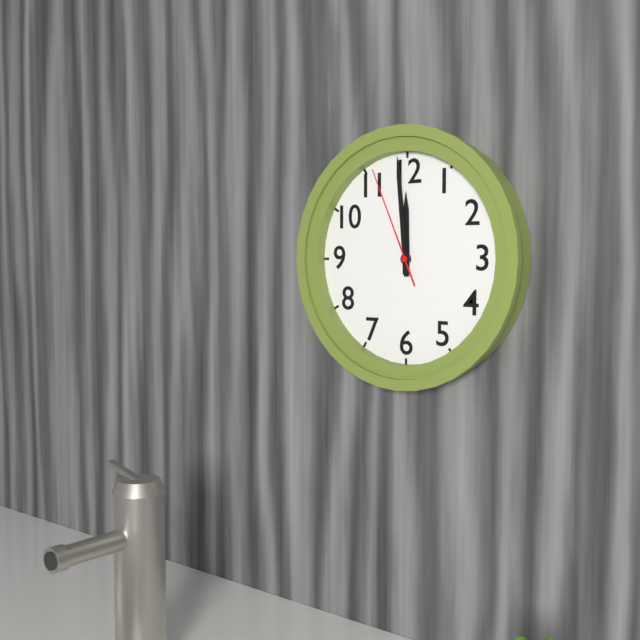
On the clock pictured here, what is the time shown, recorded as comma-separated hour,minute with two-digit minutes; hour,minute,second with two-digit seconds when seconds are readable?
11,59,56
